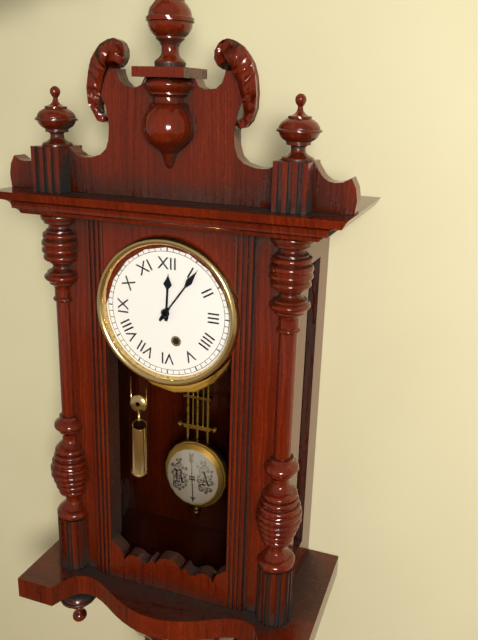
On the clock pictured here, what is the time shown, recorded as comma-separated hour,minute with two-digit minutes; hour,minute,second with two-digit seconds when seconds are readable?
12,06
